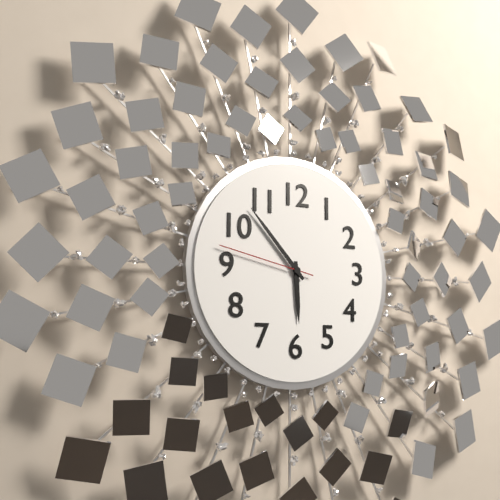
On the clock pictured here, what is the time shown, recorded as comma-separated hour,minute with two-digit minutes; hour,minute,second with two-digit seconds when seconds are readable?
5,53,47
